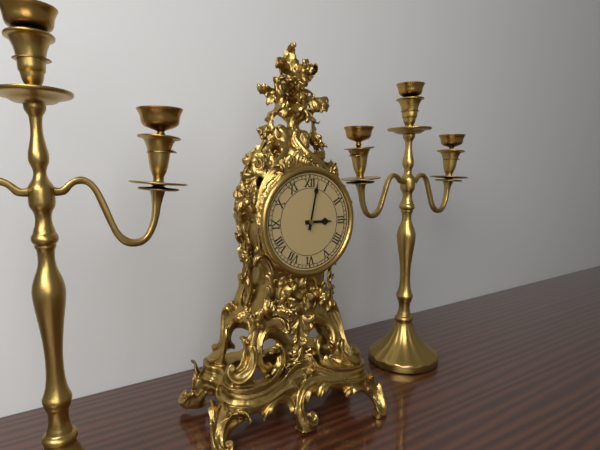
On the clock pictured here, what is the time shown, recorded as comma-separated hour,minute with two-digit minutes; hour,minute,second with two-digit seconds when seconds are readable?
3,02
